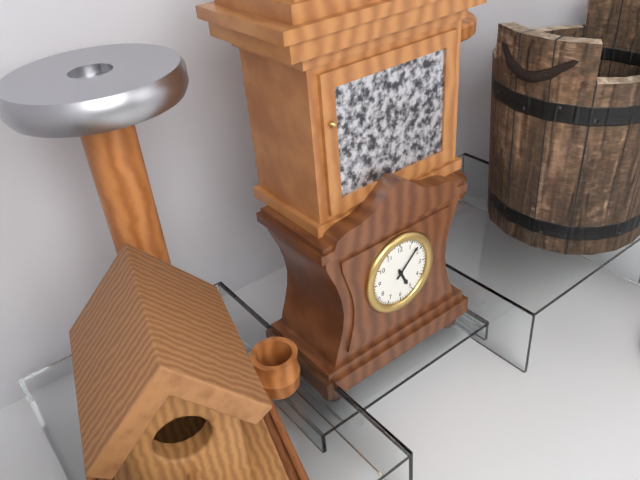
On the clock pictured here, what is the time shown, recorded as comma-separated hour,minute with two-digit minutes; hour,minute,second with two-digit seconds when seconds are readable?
5,08
